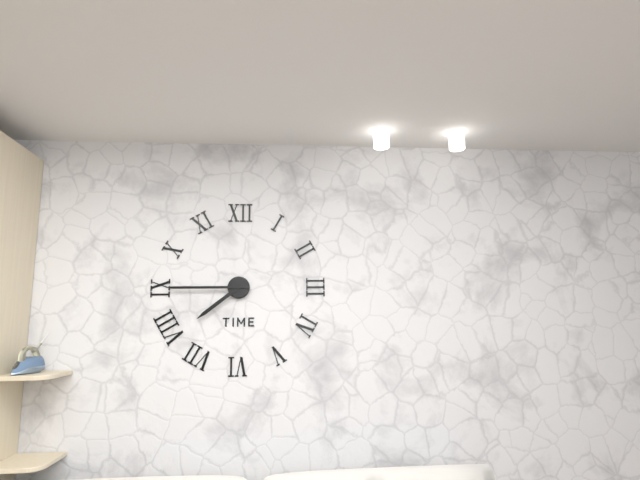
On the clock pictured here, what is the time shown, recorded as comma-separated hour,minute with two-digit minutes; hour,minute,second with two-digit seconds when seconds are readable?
7,45
